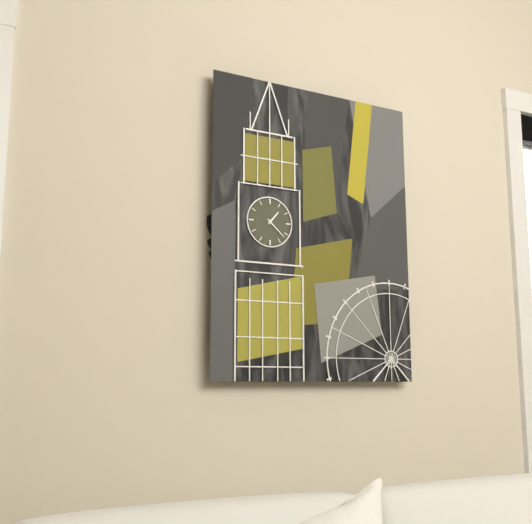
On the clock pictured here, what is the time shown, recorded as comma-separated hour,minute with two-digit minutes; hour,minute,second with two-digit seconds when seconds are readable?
1,22
